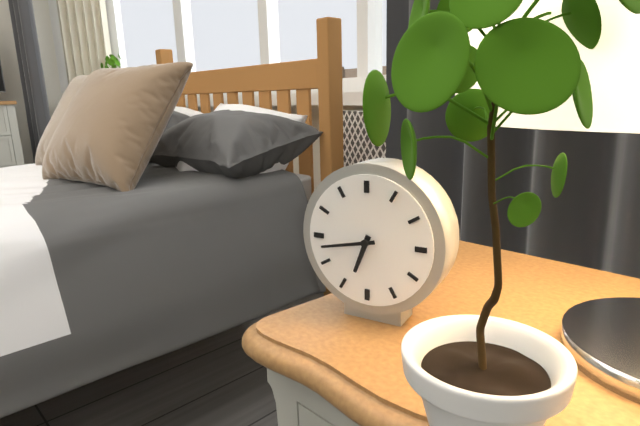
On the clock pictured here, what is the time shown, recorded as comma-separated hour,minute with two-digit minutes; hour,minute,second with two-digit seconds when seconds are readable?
6,43
